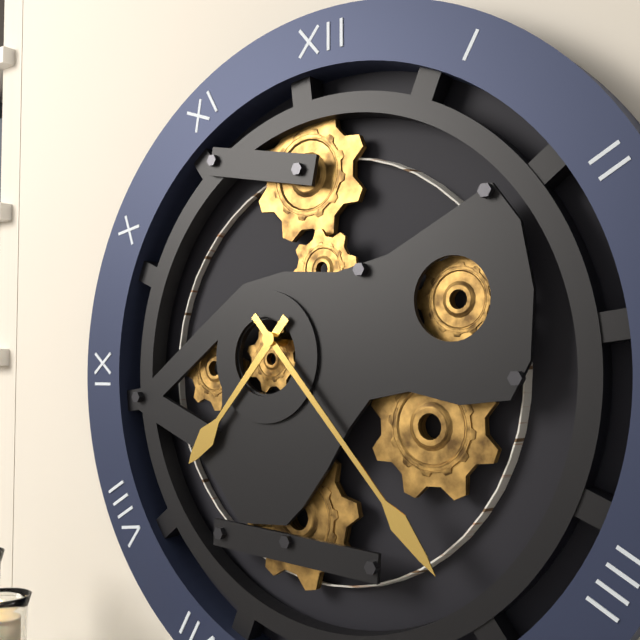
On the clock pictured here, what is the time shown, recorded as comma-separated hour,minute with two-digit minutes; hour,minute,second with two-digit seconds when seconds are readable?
7,23
